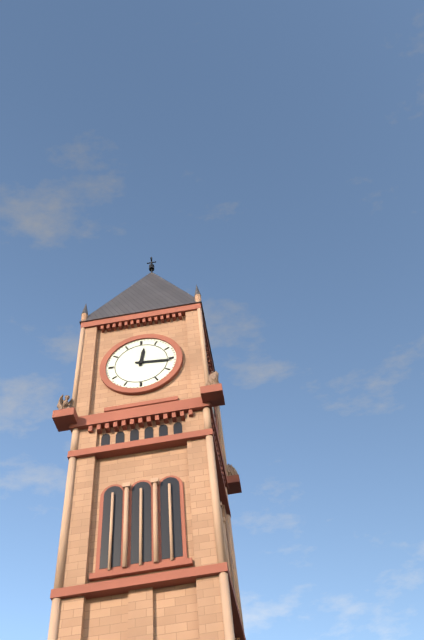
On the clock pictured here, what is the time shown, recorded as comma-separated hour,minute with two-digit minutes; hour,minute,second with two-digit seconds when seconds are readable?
12,16
